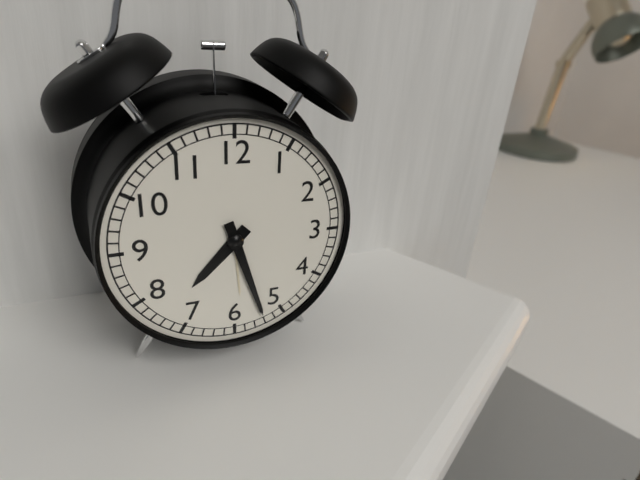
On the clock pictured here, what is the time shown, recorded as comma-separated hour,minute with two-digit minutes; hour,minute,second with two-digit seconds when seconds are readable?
7,27
